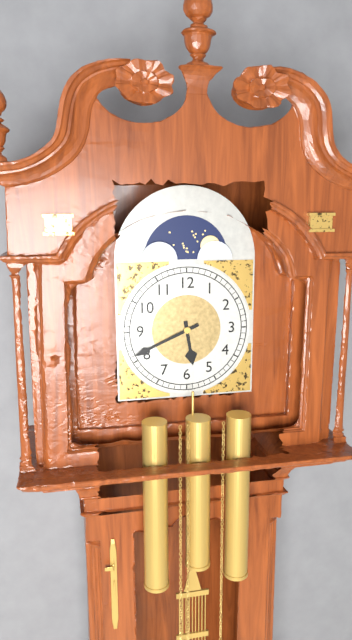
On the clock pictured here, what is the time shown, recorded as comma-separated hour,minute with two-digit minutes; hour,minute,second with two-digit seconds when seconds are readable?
5,41
